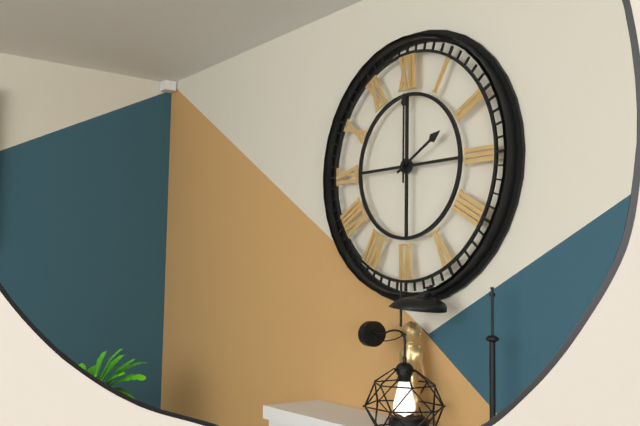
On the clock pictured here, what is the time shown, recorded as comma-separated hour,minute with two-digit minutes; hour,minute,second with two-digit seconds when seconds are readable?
2,00
